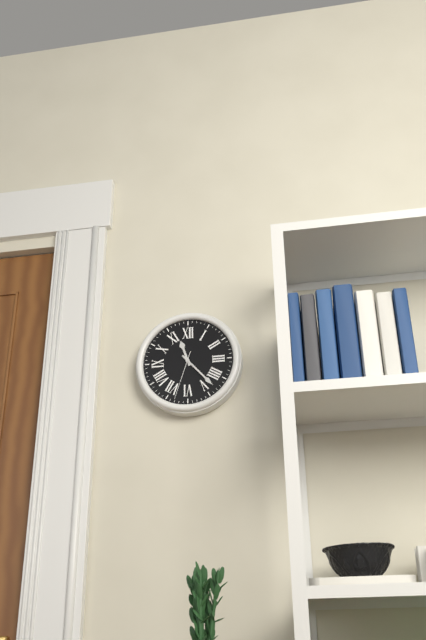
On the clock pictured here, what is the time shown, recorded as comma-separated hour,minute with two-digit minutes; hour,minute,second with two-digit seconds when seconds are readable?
11,23,33
